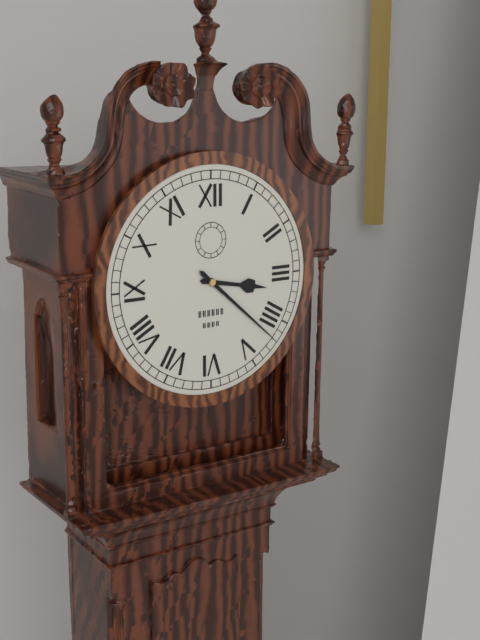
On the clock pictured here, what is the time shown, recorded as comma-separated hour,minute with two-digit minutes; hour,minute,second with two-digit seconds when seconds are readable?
3,22
